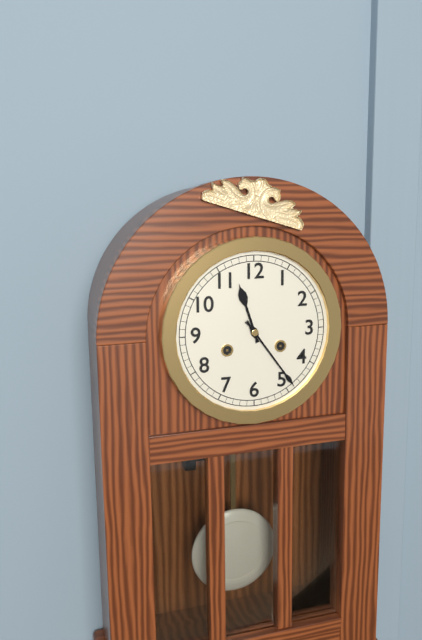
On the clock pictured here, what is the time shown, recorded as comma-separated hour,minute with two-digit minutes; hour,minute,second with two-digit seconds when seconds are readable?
11,24
